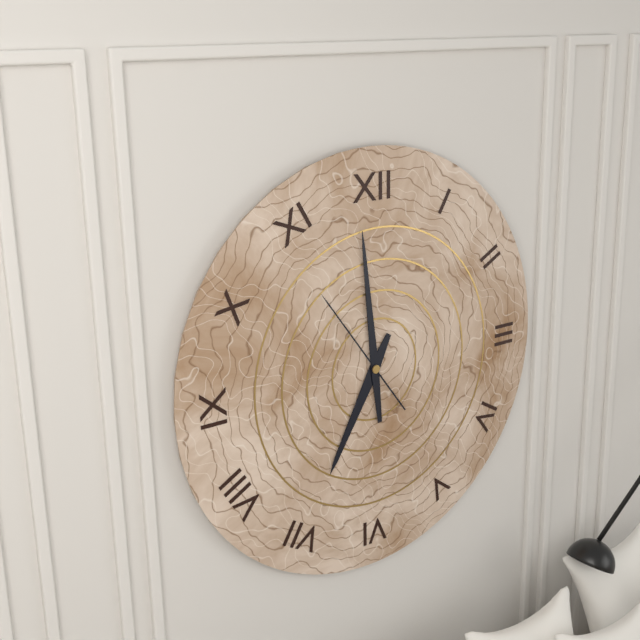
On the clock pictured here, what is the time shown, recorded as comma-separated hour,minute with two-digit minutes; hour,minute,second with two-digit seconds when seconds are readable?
6,59,54
